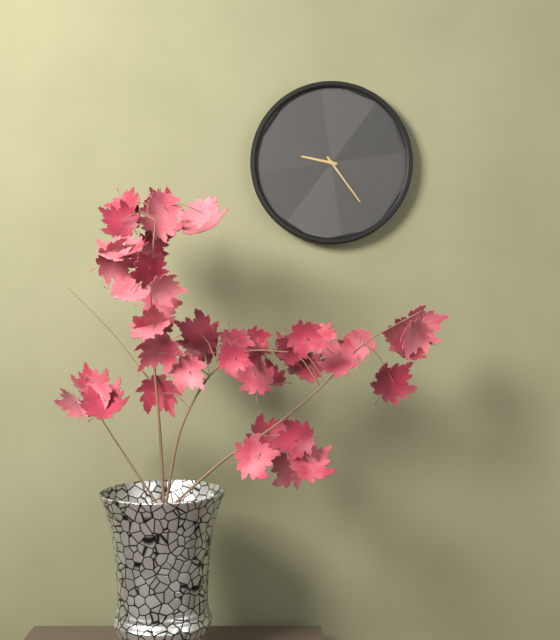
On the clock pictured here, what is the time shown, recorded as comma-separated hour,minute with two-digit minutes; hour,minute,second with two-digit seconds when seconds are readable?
9,24
